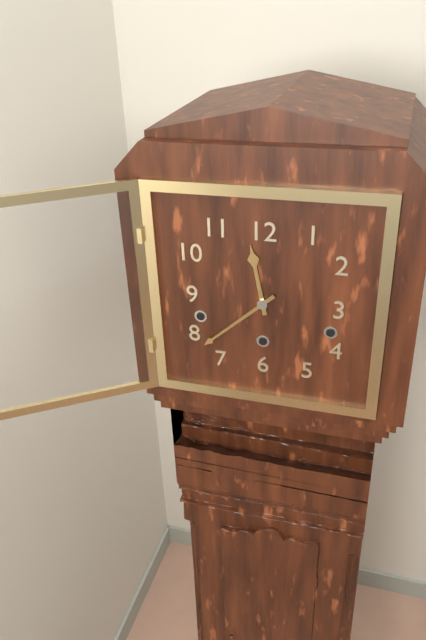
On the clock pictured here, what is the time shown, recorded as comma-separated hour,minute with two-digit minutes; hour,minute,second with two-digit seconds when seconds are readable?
11,38
